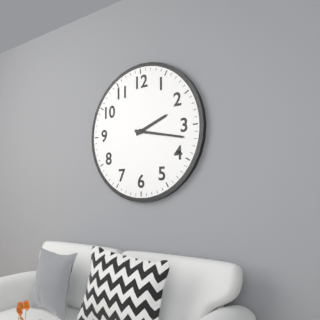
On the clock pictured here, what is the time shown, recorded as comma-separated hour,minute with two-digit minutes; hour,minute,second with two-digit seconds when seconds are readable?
2,17
